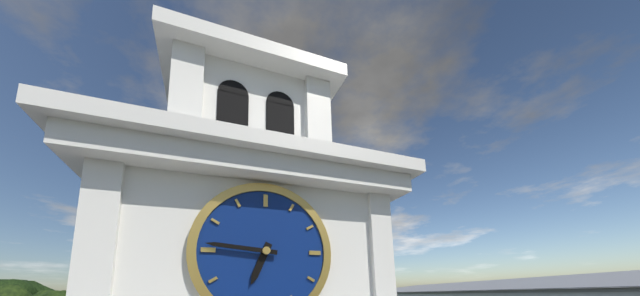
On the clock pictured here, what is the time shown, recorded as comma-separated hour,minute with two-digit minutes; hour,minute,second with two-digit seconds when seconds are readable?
6,46
